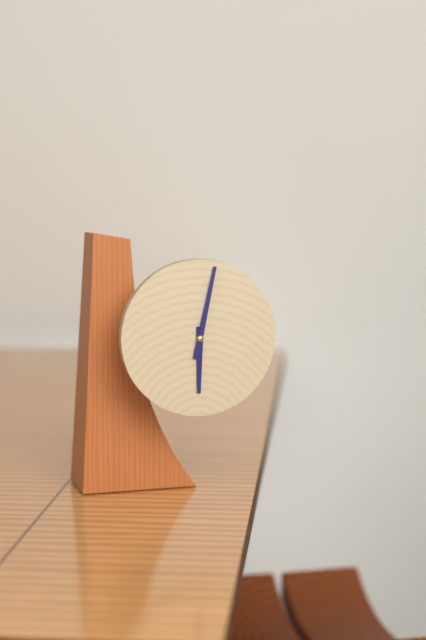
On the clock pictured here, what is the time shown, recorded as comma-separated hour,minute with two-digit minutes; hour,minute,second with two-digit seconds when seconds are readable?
6,02
